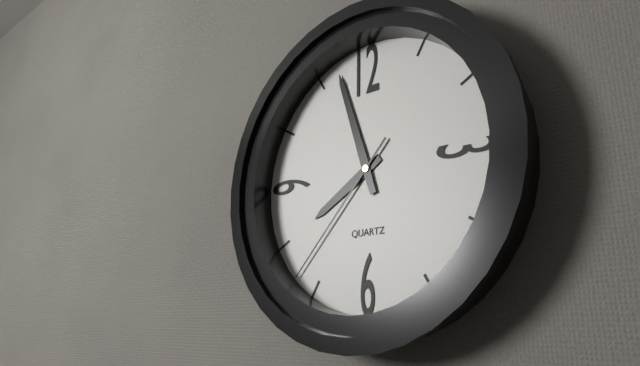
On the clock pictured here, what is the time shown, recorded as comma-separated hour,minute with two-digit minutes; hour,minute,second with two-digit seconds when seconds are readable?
7,57,37
